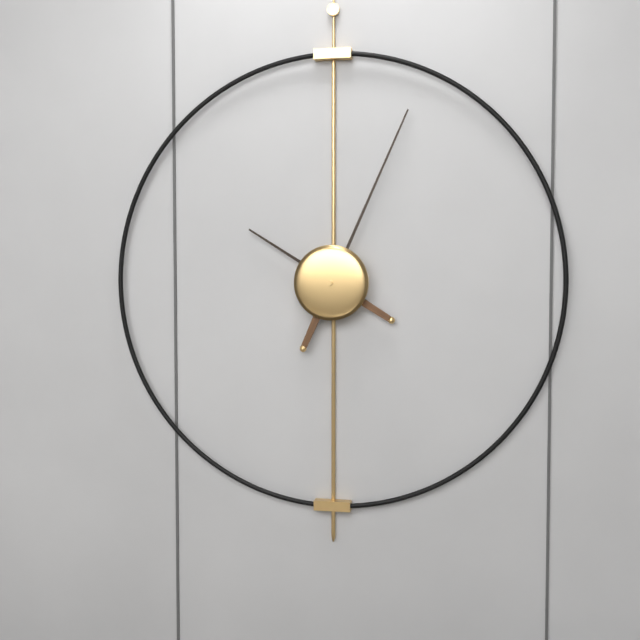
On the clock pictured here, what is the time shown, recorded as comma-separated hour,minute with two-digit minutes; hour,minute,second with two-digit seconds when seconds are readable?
10,04
